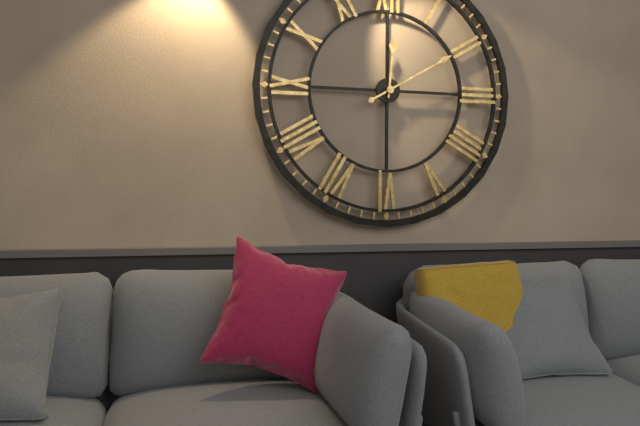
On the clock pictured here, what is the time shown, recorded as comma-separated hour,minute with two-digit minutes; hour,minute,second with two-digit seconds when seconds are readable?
12,10
